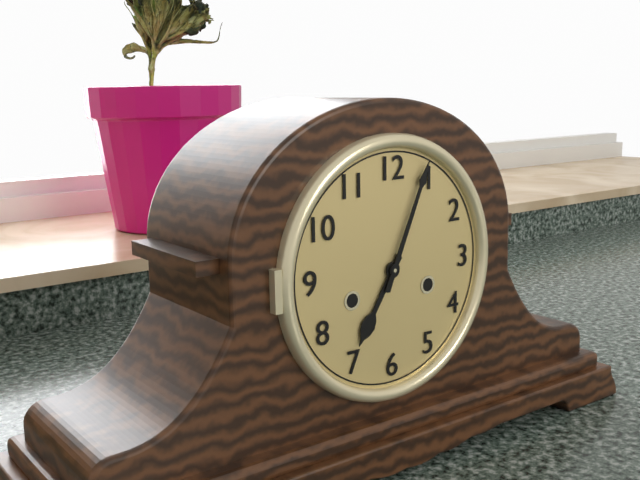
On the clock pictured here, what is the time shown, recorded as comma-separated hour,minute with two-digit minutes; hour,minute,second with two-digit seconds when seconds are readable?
7,04
